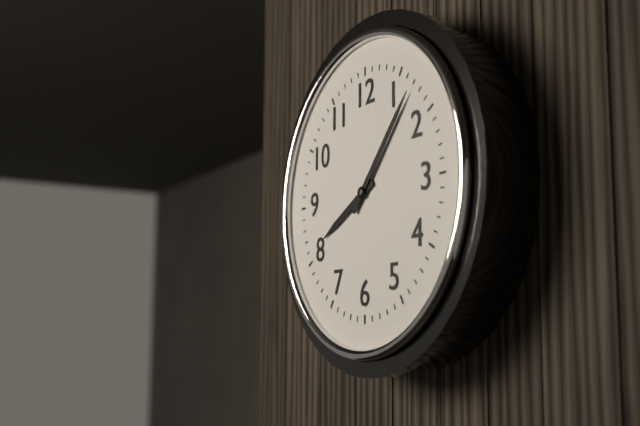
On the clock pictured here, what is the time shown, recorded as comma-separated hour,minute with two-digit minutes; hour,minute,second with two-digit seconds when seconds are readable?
8,07
